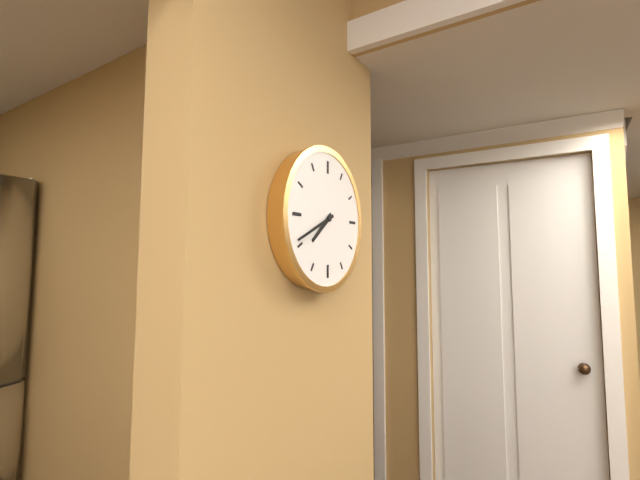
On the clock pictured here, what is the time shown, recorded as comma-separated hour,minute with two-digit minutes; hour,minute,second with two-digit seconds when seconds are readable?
7,41
